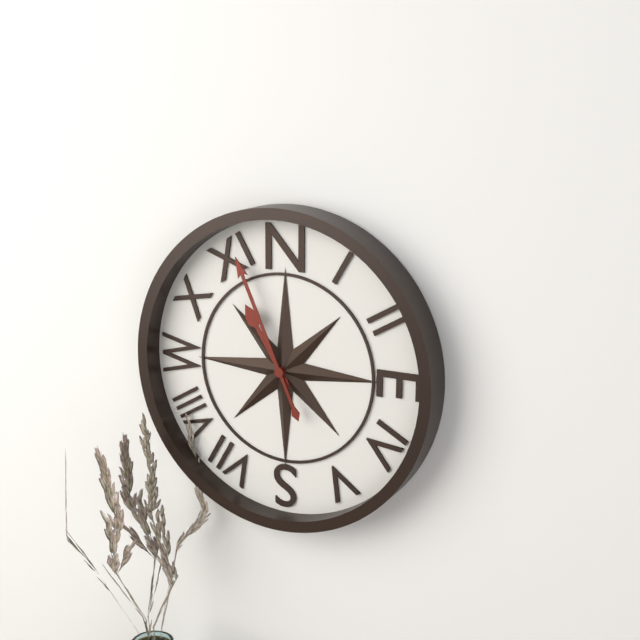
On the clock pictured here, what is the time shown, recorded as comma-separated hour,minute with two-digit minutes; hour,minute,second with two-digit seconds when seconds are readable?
10,56
